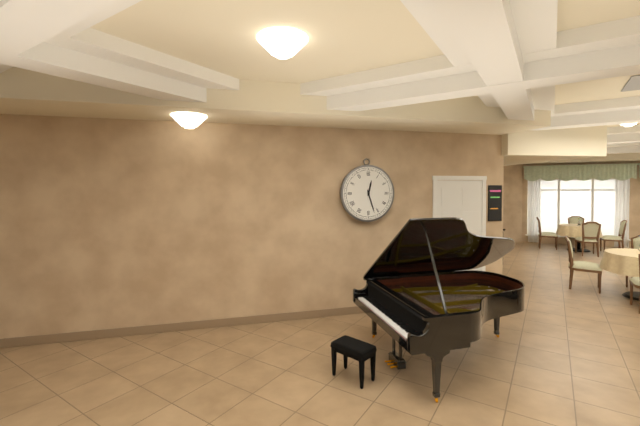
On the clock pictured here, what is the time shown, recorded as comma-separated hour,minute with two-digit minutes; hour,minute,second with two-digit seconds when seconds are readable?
12,27
